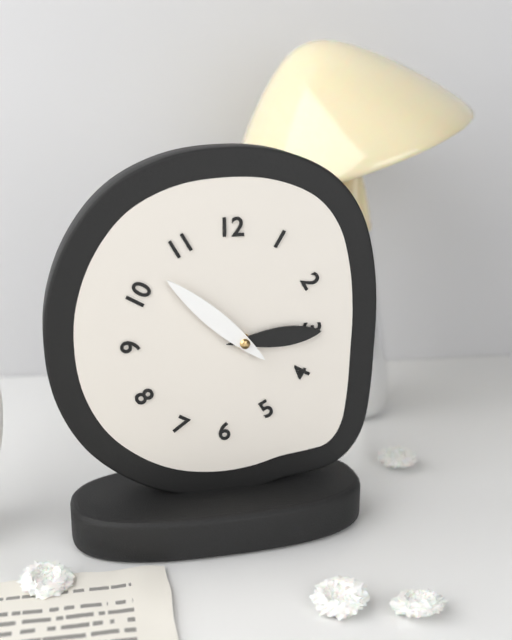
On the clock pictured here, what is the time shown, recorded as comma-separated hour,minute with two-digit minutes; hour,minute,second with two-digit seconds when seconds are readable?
2,52
